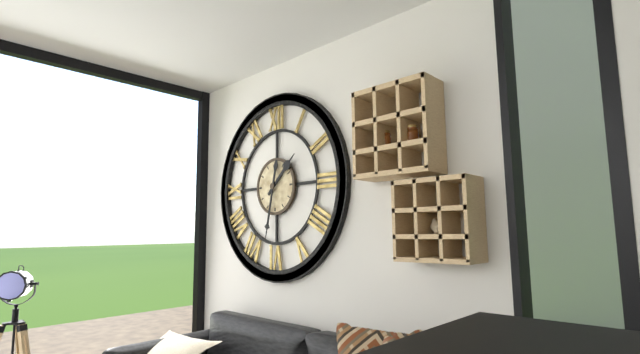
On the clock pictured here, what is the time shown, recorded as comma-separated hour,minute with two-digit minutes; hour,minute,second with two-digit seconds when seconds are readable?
1,32
